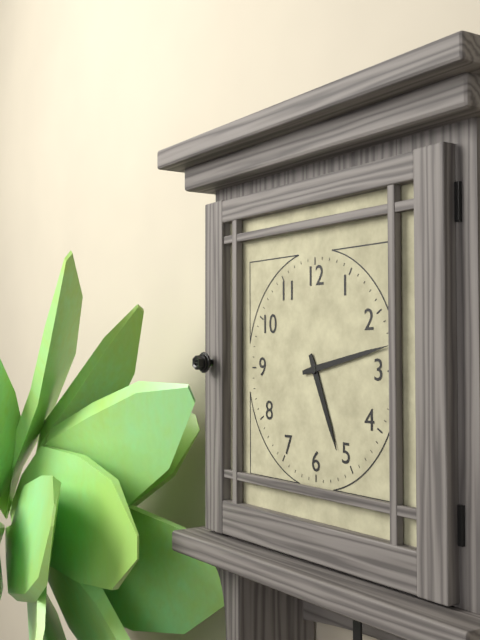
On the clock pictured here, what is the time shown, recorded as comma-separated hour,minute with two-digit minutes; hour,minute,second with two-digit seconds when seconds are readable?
5,13
